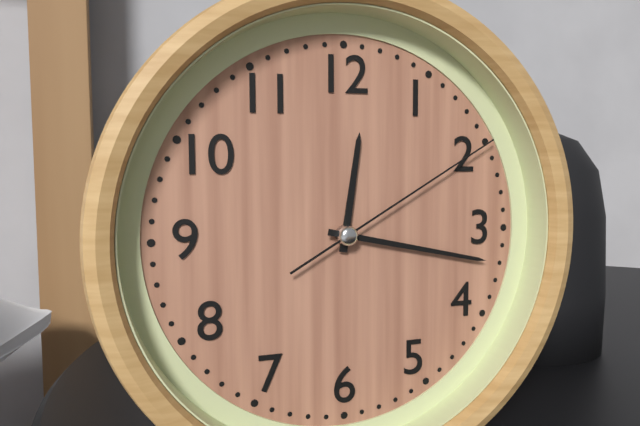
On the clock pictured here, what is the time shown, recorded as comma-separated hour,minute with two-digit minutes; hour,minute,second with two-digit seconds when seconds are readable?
12,17,10
